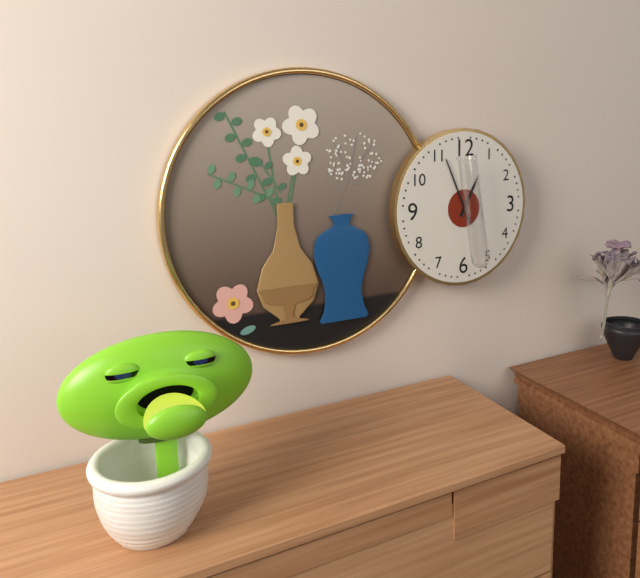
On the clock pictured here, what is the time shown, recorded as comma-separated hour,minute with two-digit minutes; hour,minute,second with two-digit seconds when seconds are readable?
12,56
